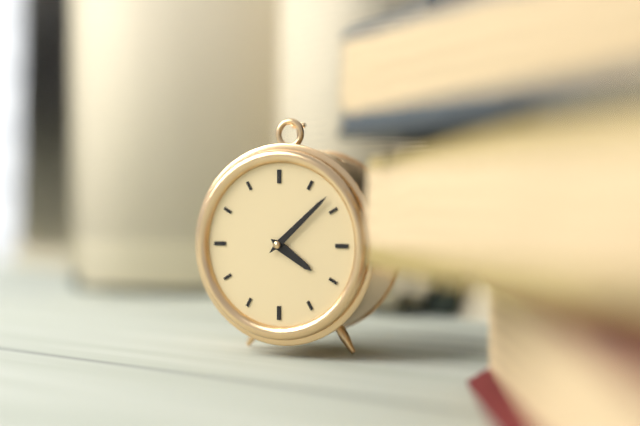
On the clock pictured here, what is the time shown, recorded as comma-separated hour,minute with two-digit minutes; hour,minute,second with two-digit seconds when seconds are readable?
4,08
